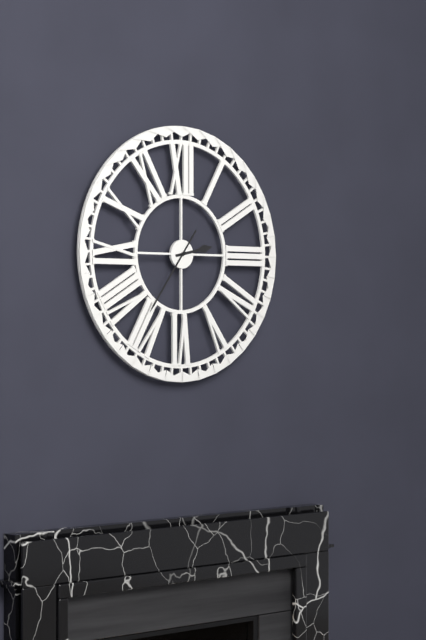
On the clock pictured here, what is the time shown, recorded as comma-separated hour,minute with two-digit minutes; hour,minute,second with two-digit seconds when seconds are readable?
2,36
